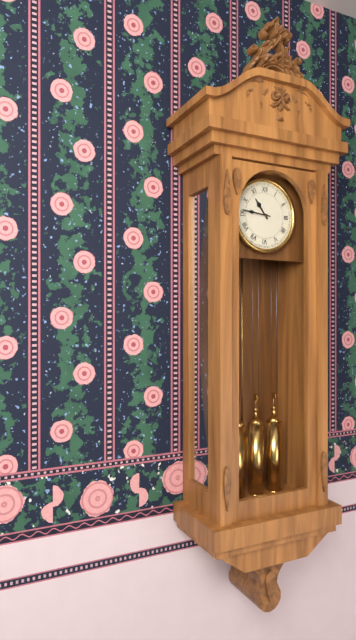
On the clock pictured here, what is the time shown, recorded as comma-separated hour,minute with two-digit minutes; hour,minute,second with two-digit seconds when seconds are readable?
10,46
